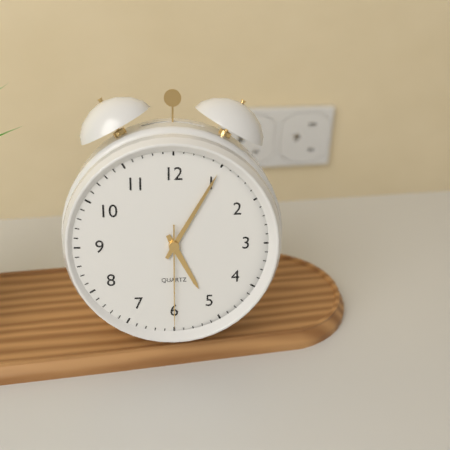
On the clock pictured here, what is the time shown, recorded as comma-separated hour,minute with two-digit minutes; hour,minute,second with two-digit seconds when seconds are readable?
5,05,30
